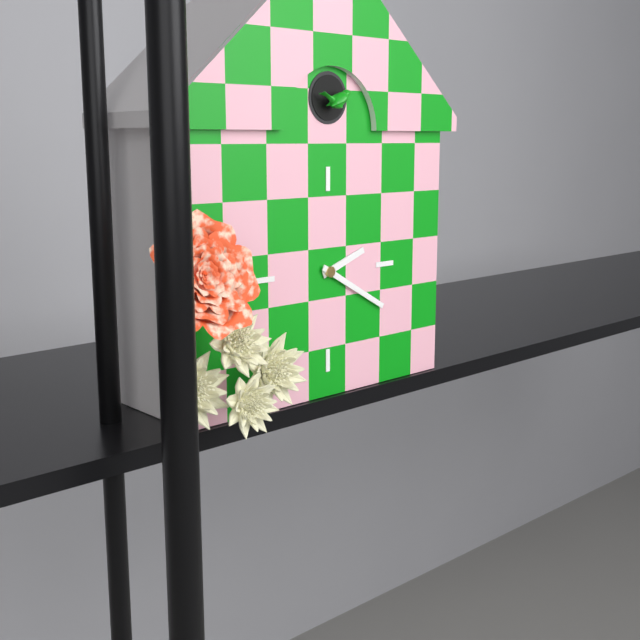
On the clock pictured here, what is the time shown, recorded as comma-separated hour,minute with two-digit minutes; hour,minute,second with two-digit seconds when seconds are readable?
2,20
